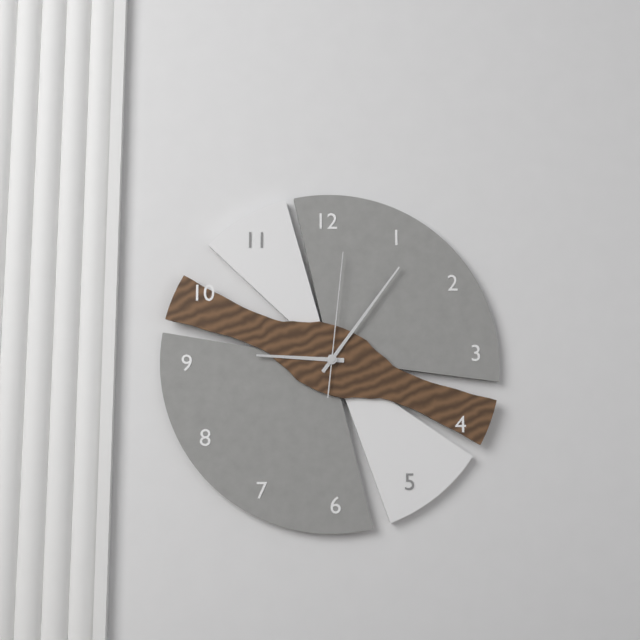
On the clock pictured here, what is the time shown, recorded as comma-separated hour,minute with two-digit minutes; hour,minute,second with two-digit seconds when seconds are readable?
9,06,01
